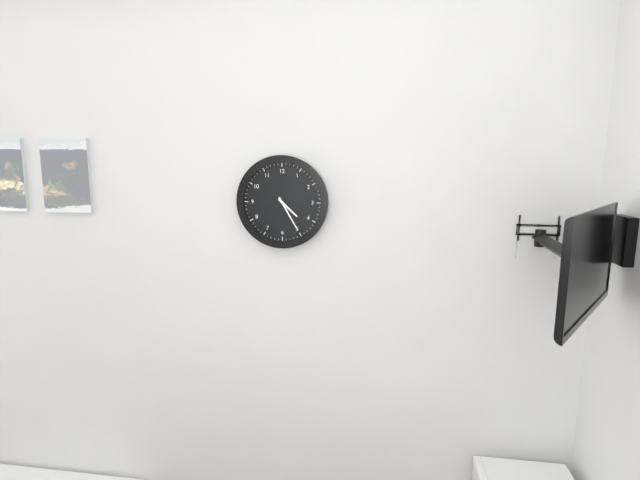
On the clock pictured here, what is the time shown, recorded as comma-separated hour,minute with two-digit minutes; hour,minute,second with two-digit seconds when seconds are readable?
4,25
